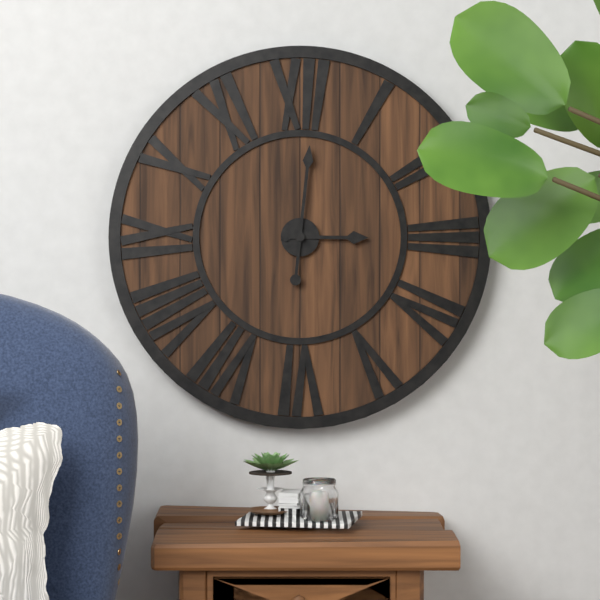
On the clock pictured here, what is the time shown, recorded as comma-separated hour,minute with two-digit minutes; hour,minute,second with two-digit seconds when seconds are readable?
3,01
